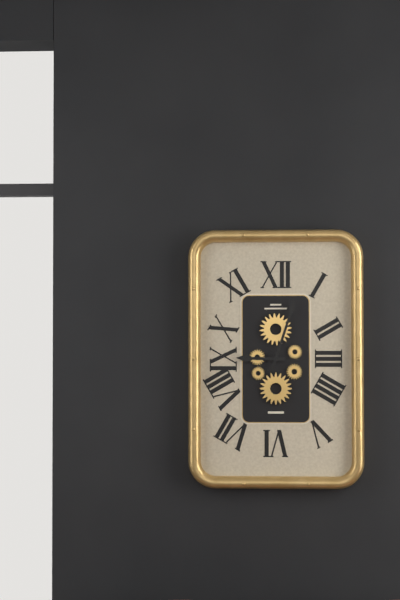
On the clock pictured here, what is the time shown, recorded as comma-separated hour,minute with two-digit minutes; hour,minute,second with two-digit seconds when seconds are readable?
9,03
